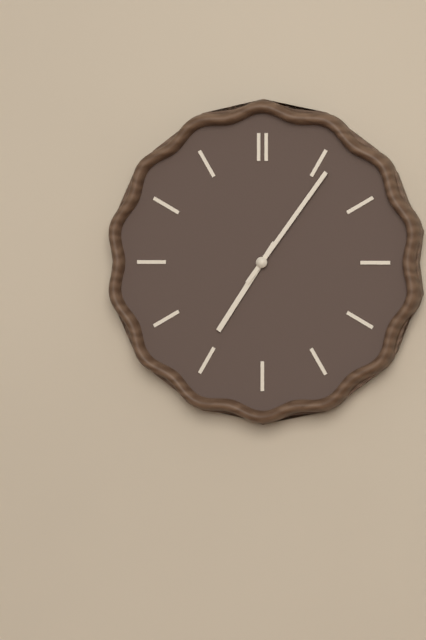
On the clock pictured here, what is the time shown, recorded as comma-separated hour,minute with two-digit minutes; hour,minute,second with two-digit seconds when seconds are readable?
7,06
